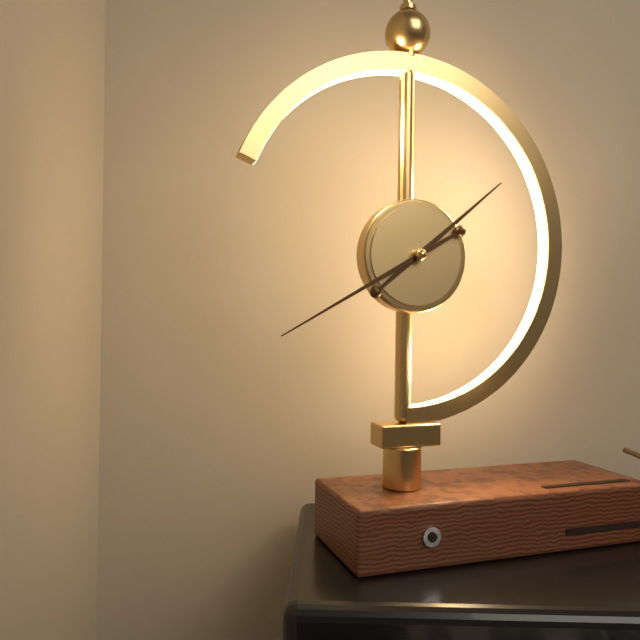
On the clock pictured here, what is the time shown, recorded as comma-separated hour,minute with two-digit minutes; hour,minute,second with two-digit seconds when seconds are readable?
1,40
